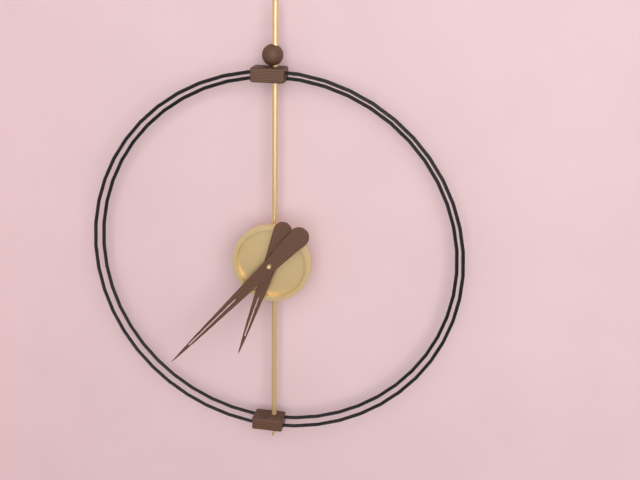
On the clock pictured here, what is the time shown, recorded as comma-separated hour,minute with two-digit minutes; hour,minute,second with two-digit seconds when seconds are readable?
6,37
